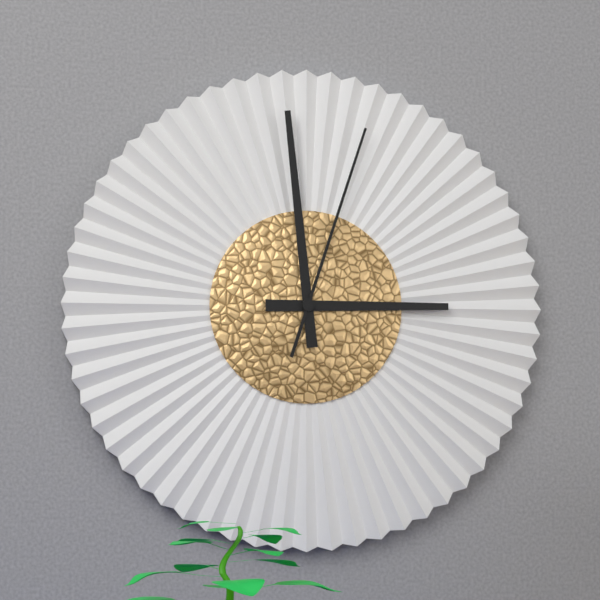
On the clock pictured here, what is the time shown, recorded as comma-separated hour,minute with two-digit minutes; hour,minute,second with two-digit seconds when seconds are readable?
2,59,03
